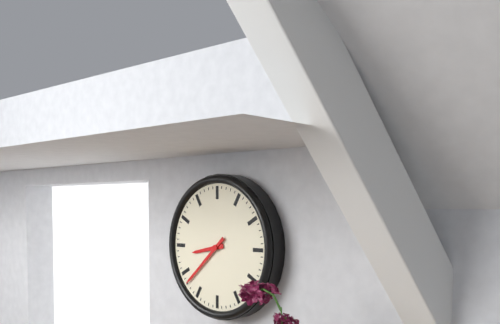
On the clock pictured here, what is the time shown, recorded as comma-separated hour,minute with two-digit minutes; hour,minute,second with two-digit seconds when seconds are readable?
8,38
